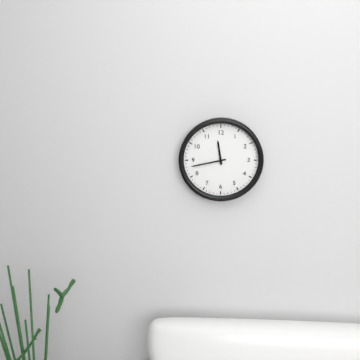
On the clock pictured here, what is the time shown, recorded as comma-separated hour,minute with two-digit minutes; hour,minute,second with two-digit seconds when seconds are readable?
11,43
